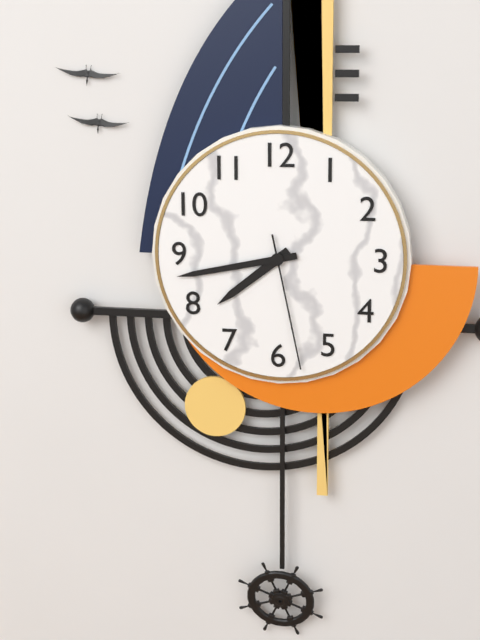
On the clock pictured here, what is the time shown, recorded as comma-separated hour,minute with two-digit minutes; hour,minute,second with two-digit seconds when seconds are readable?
7,43,28
